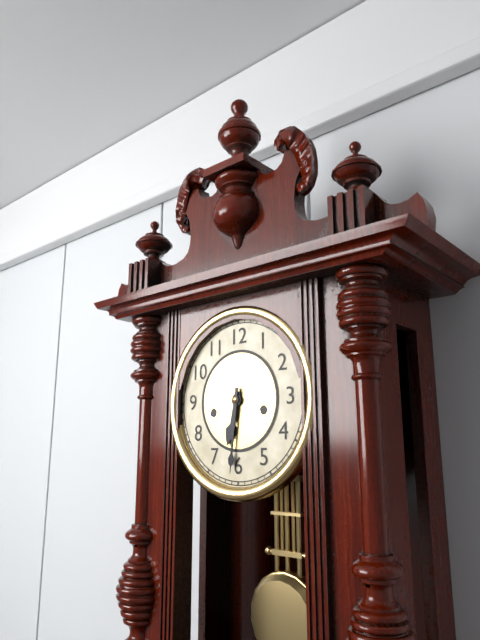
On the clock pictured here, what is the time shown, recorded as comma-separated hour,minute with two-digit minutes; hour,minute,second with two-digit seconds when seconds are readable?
6,31
